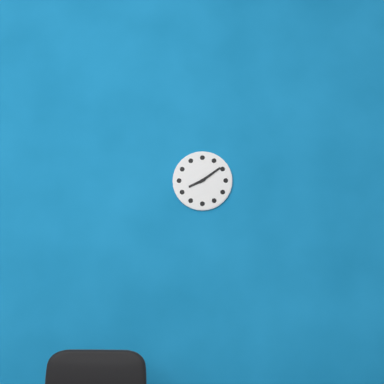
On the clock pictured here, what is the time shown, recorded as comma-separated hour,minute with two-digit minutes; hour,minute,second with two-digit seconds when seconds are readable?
8,09
